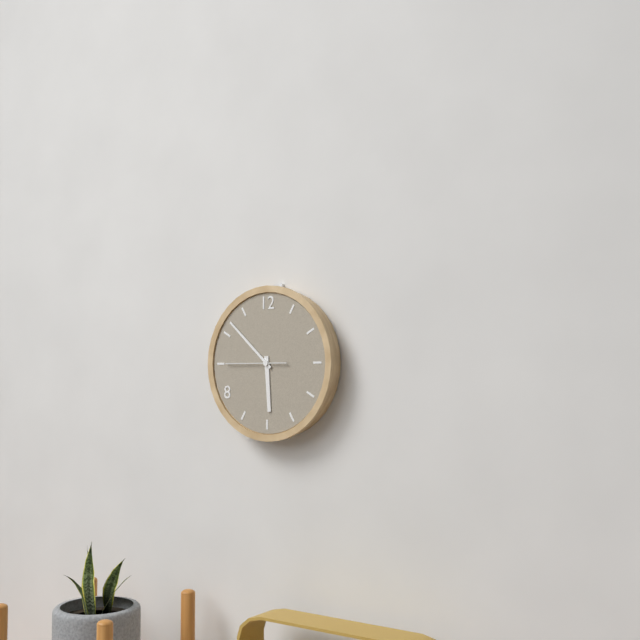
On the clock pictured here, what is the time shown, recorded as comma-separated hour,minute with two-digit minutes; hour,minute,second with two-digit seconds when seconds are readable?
5,52,45
